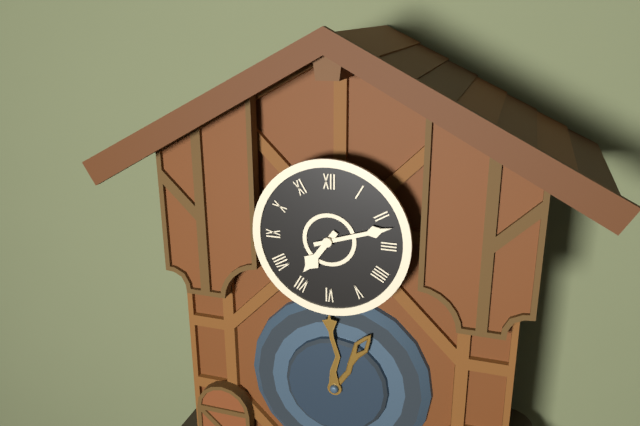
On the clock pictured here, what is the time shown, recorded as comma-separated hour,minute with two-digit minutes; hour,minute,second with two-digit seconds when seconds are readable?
7,12
